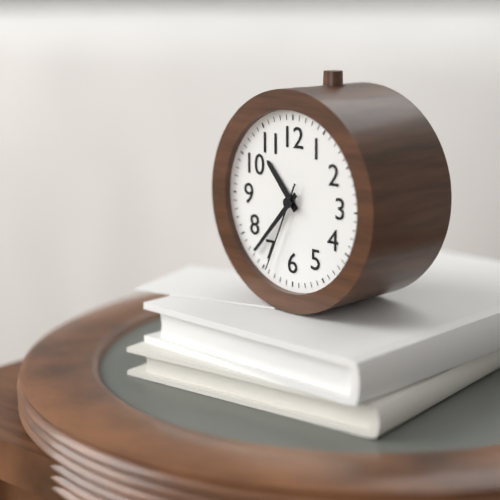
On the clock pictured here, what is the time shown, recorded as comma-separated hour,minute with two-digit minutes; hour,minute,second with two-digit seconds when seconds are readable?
10,37,34
